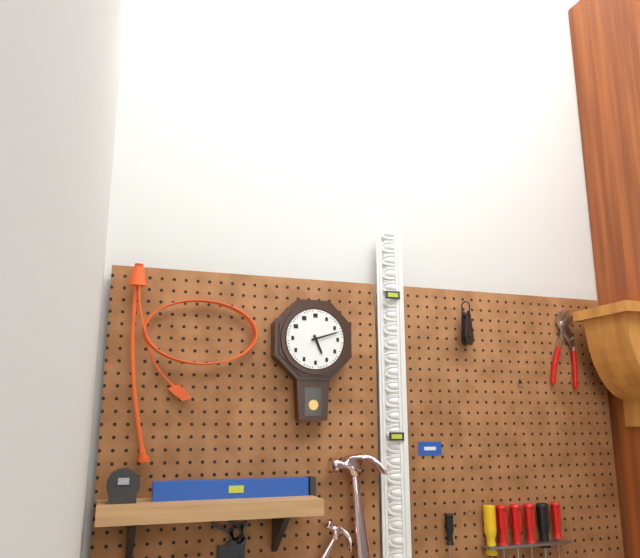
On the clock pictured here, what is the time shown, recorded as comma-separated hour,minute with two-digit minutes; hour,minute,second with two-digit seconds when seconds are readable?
5,12
